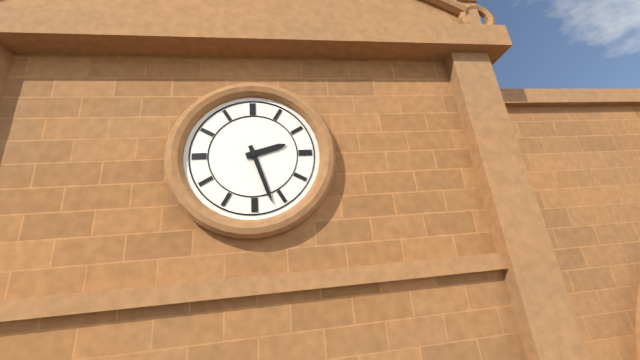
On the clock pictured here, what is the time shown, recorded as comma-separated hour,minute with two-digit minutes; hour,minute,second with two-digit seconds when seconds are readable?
2,27
